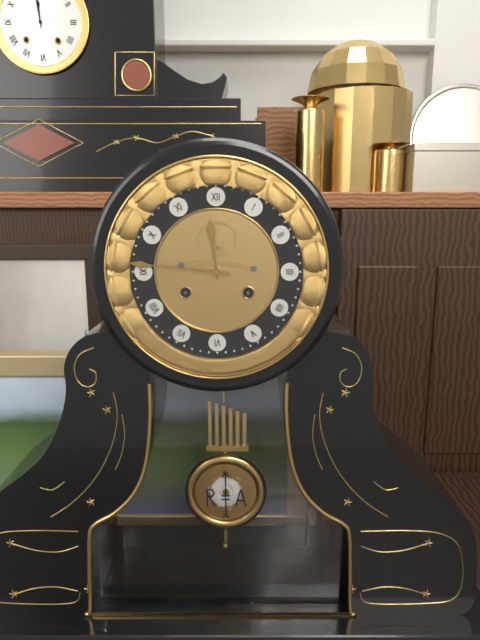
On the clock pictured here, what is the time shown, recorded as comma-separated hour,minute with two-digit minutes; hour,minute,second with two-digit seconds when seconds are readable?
11,46
